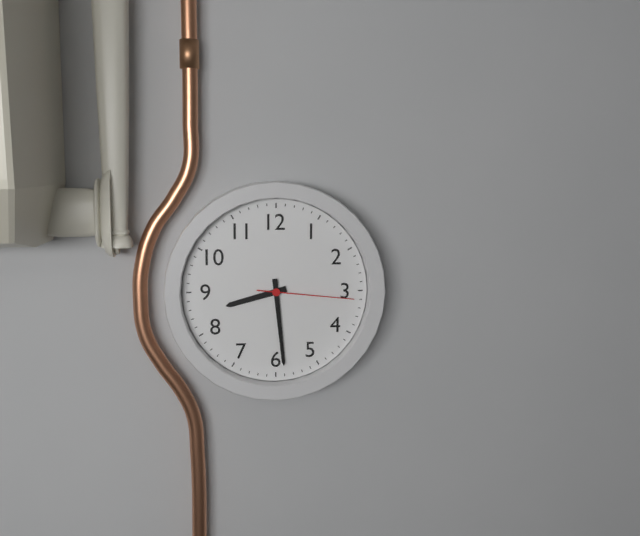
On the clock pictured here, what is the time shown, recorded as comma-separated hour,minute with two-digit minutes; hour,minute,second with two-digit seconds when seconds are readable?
8,29,16
